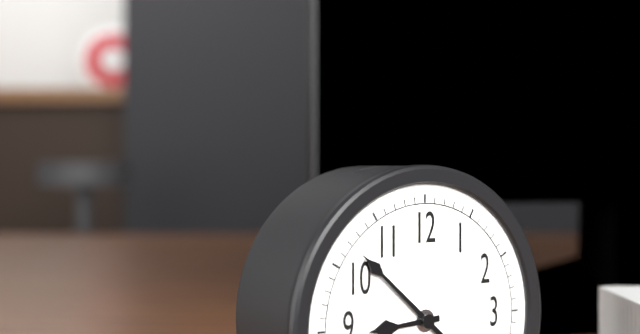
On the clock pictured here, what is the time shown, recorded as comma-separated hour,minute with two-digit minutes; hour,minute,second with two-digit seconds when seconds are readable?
8,52
